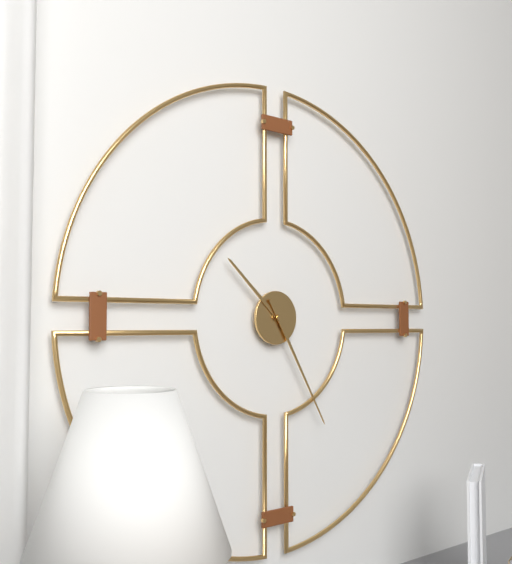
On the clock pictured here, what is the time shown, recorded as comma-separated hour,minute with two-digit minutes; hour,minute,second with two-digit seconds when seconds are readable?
10,25
